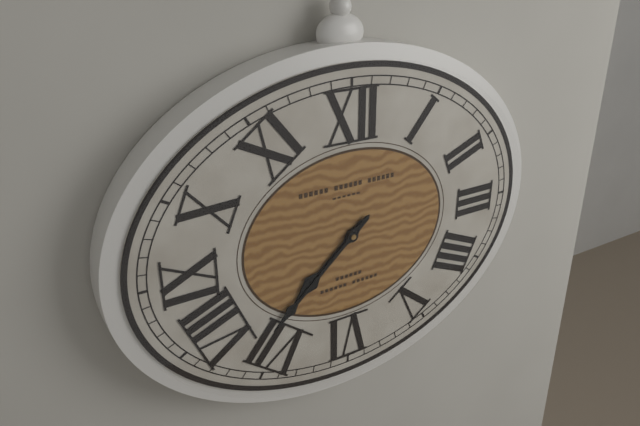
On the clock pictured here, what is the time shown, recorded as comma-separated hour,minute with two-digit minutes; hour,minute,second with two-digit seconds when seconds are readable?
7,38
